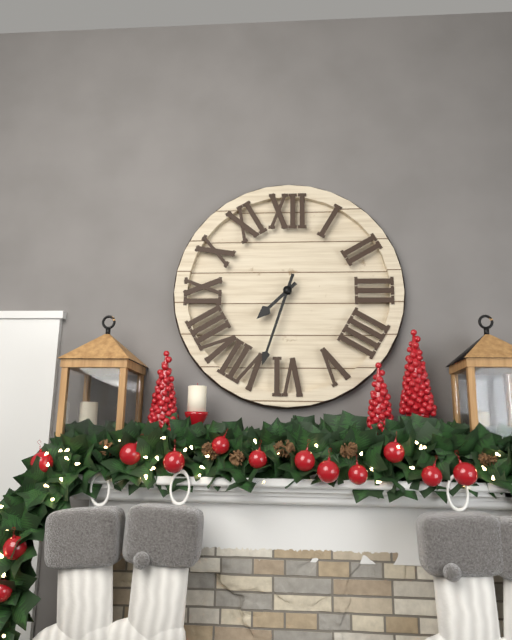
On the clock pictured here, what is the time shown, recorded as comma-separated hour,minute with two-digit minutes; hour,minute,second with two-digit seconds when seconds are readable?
7,33
